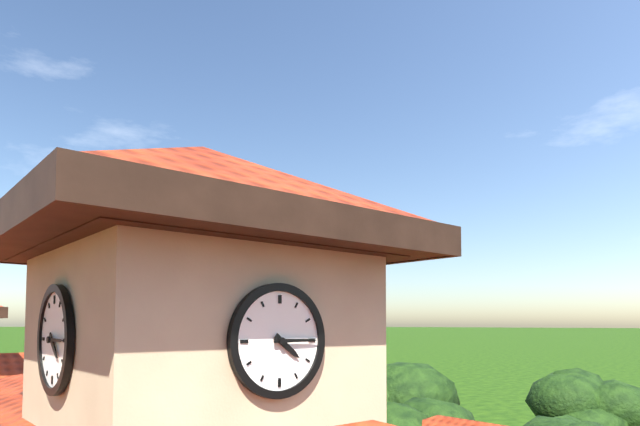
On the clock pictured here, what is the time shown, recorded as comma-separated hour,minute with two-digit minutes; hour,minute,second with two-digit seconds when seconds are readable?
4,15
